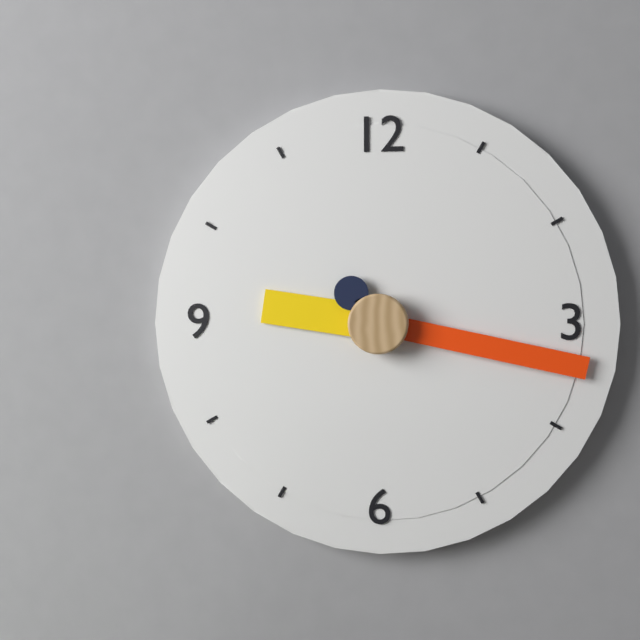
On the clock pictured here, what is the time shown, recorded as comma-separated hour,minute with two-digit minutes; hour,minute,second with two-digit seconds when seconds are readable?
9,17,53
